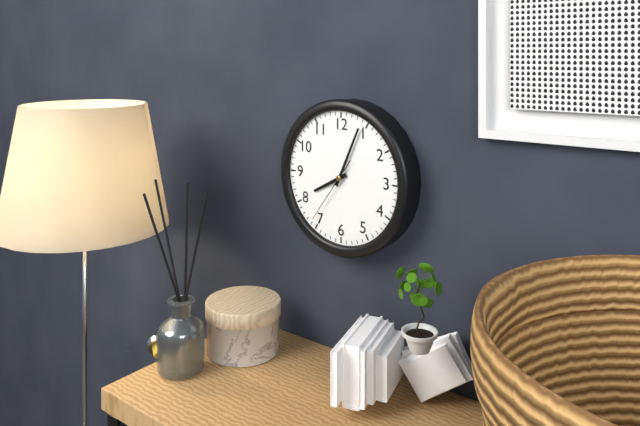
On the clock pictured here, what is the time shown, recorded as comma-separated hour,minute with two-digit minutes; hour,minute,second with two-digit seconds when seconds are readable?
8,04,36
